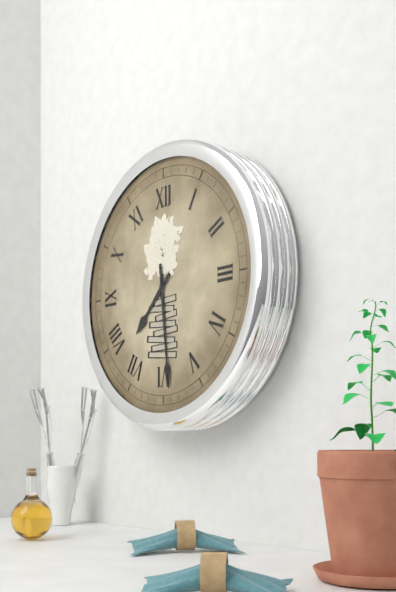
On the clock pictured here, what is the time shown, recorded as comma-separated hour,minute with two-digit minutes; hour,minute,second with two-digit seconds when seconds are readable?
7,29
